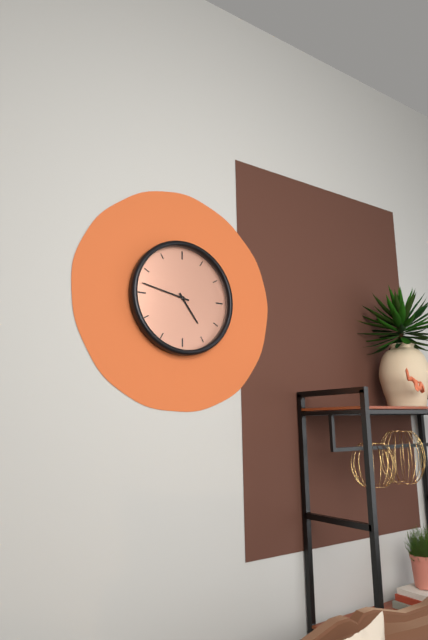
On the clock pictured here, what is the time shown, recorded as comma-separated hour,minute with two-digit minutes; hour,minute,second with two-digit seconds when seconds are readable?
4,47
